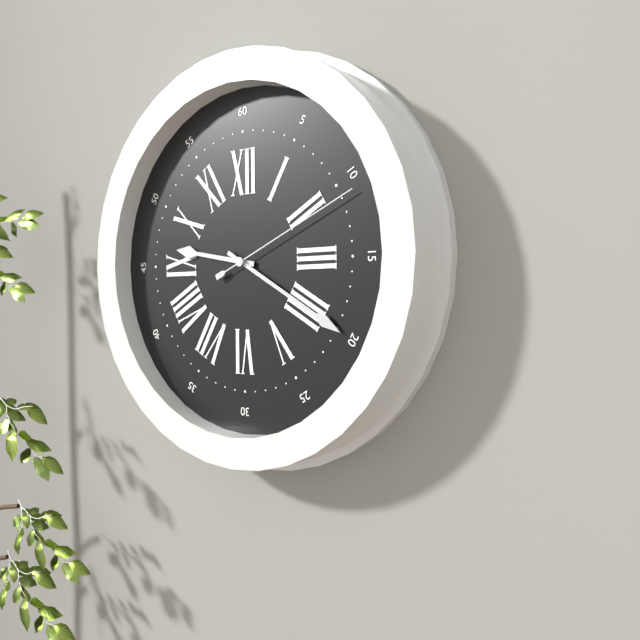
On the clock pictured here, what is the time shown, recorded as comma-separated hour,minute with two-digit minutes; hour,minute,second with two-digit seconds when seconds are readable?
9,20,11
